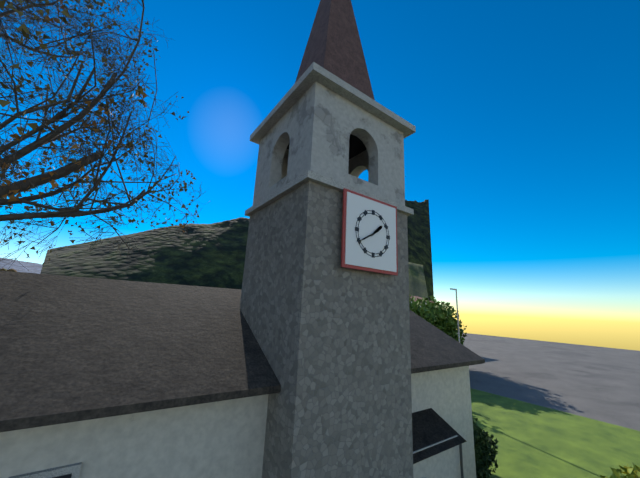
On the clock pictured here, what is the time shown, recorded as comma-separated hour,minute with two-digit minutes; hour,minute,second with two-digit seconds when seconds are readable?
1,40
